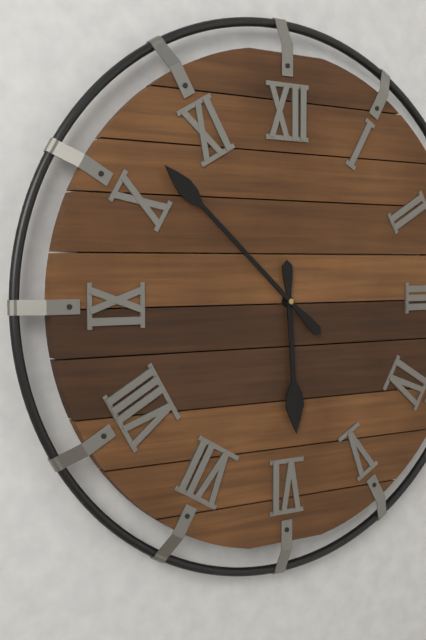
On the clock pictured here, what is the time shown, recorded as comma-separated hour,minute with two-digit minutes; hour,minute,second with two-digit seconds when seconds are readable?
5,52
